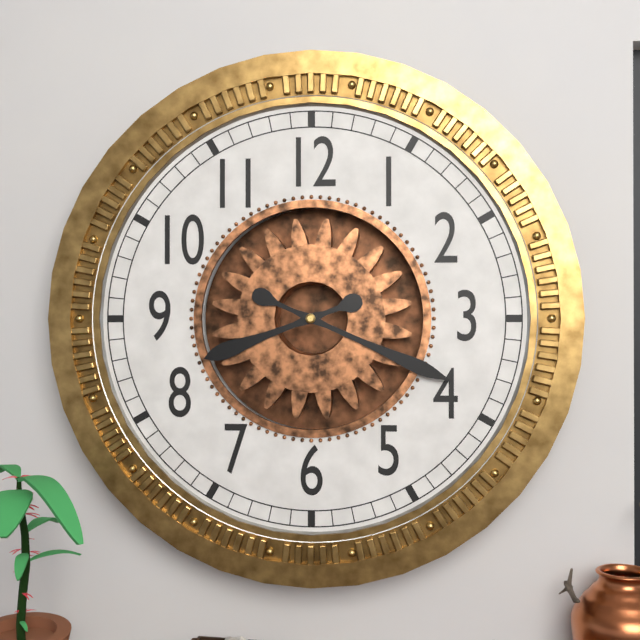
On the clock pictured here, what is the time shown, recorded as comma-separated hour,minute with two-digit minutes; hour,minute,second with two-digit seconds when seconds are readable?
8,19
